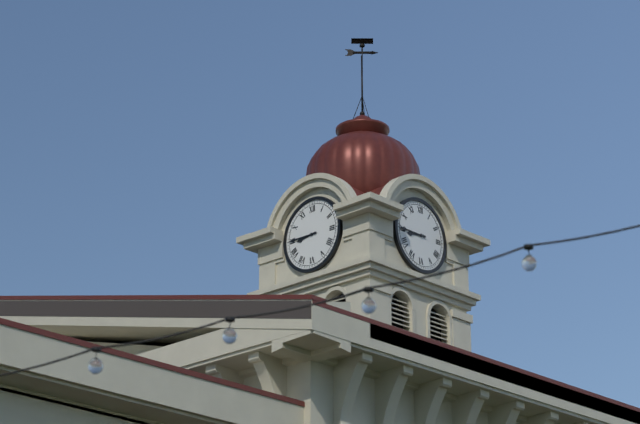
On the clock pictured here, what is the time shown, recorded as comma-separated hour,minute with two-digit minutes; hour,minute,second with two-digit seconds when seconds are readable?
8,45
